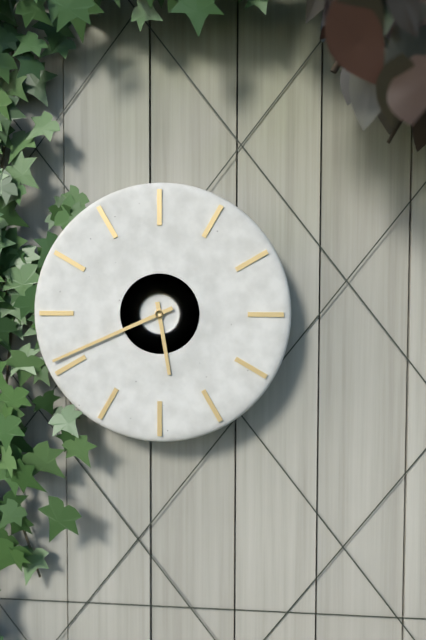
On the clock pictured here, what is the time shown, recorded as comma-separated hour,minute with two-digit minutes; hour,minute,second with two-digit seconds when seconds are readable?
5,41
